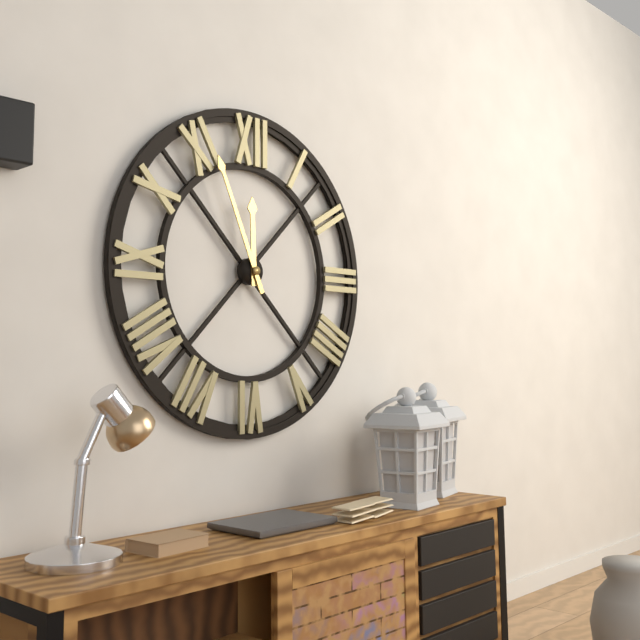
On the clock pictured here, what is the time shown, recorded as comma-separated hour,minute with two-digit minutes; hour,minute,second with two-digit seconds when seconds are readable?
11,56
